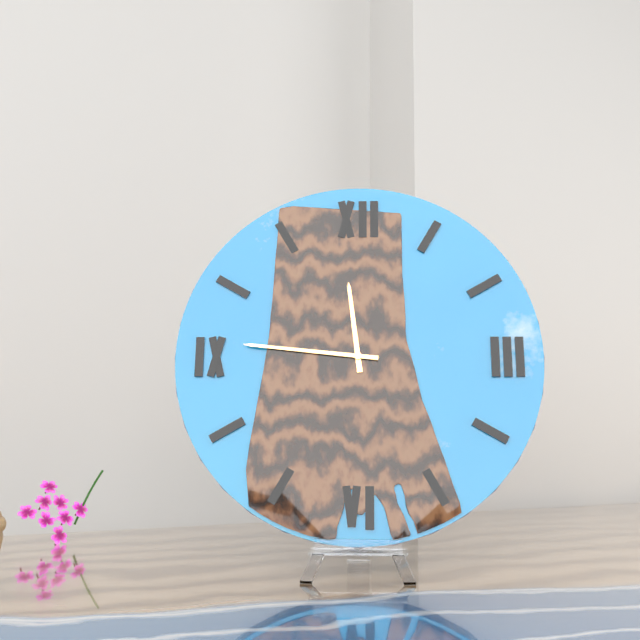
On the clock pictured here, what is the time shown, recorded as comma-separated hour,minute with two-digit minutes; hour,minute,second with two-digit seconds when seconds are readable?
11,46
